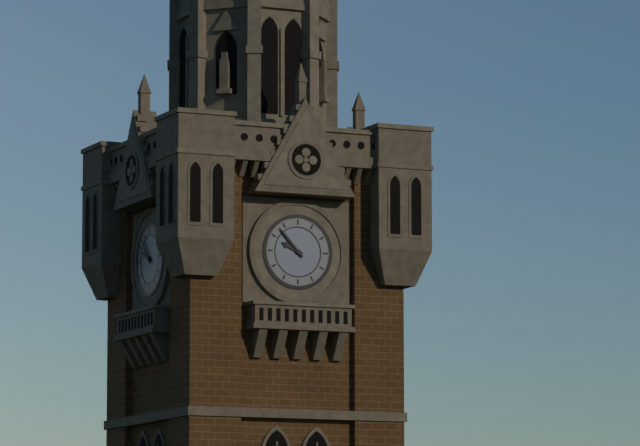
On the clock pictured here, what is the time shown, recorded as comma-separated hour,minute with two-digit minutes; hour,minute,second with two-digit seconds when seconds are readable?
9,53
